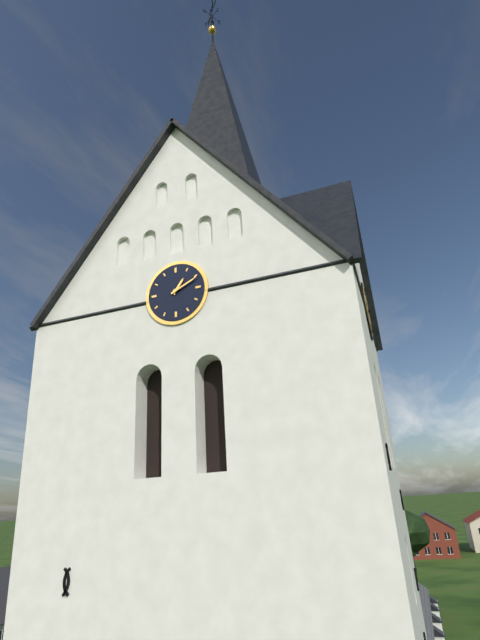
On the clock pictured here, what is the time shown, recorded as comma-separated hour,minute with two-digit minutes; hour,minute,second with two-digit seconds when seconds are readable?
1,11
